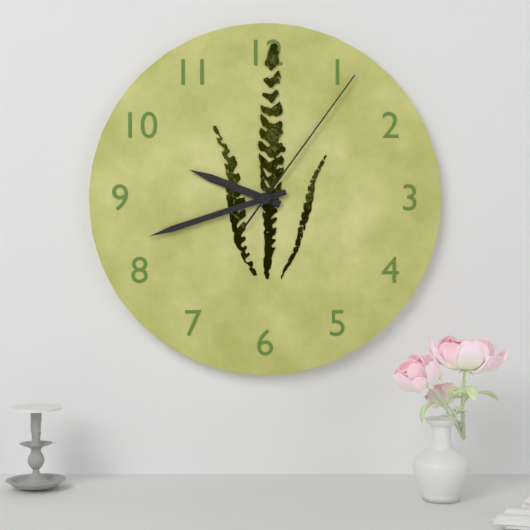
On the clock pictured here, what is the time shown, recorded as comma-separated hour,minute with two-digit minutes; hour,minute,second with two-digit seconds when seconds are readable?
9,42,06
